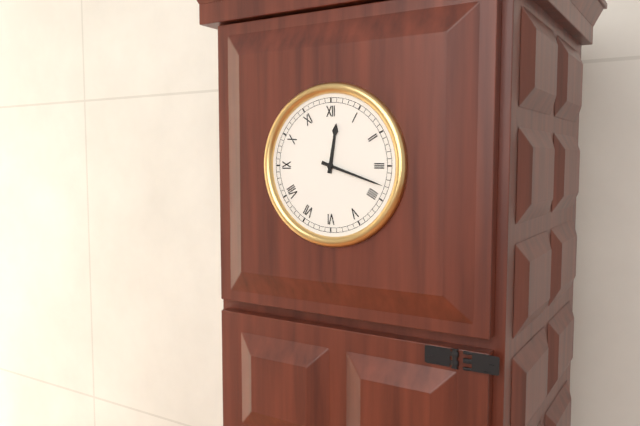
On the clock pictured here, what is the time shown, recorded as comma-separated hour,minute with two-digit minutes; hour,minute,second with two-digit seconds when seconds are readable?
12,18
